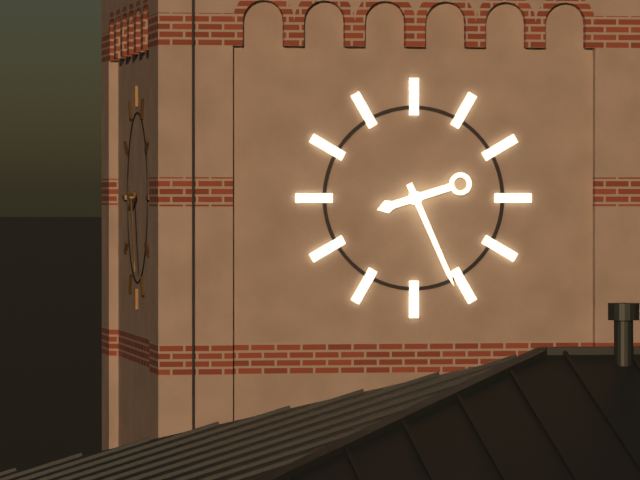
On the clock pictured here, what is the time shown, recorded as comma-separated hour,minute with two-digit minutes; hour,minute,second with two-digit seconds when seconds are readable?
8,26
